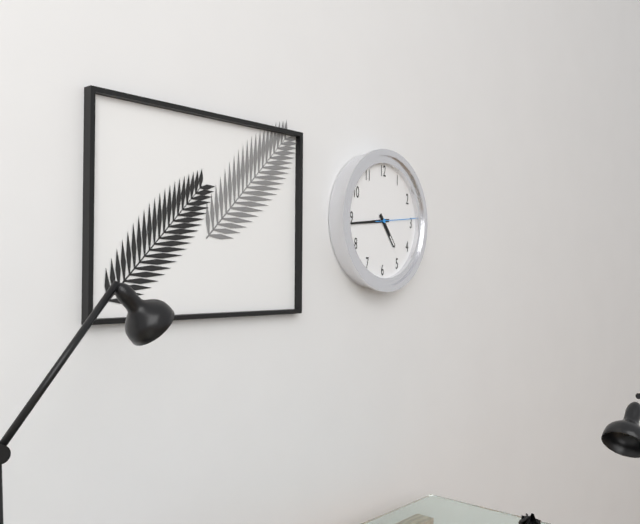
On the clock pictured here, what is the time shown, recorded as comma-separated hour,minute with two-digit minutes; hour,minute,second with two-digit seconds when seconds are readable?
4,44
